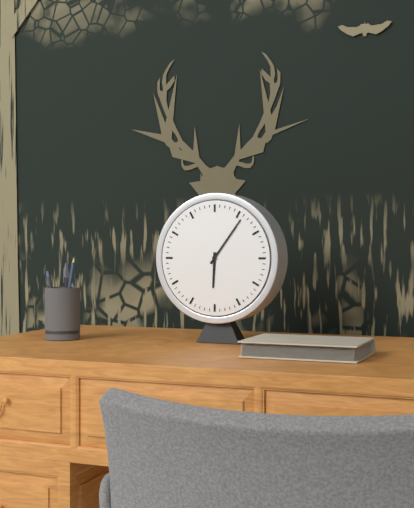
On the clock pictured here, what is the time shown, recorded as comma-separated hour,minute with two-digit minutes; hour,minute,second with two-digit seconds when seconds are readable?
6,06
